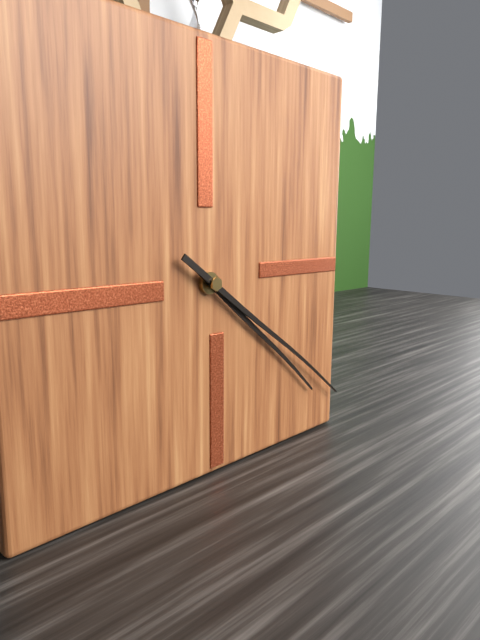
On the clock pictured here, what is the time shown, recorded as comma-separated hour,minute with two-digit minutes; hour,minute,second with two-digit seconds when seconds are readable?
4,21
